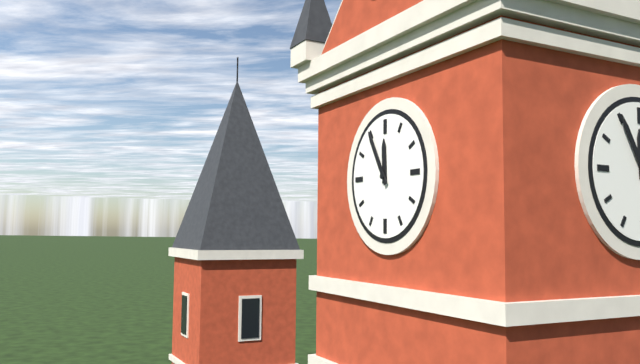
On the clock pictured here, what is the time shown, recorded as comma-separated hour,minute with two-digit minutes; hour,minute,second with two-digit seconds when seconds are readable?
11,55
